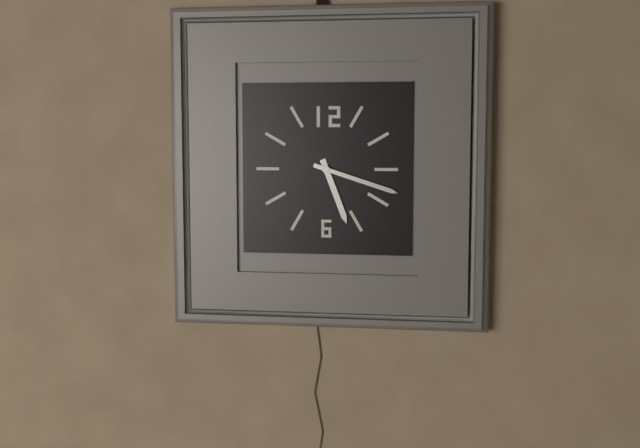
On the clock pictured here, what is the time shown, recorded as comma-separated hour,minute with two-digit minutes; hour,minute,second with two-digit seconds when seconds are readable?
5,18
